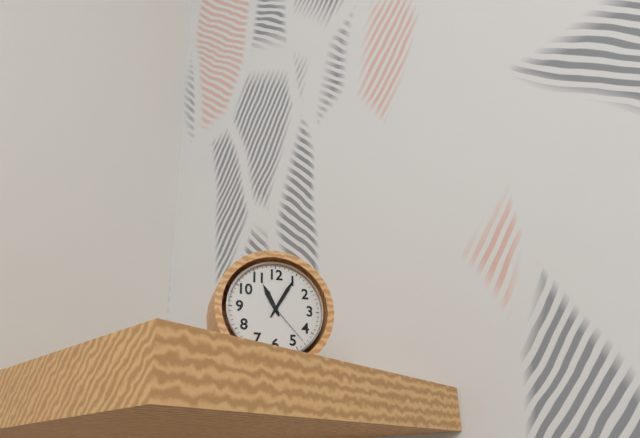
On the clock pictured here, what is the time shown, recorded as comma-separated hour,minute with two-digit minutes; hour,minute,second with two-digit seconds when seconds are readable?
11,05,23
